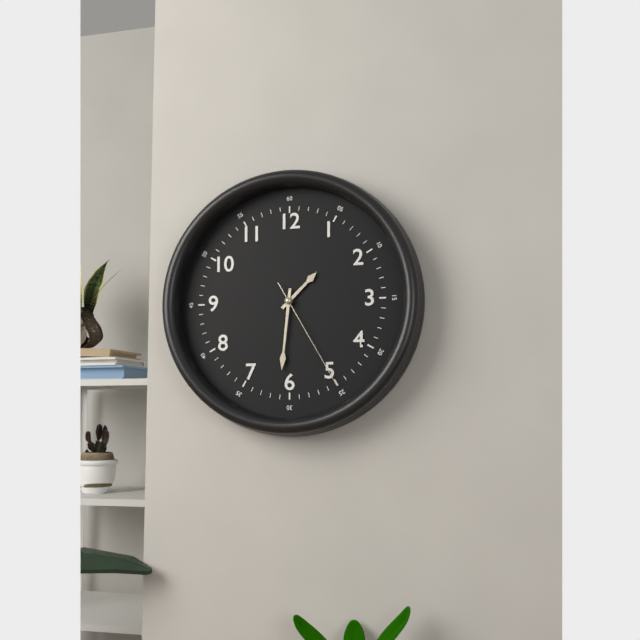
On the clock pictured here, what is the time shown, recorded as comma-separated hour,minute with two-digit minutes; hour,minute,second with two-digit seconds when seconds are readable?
1,31,25
